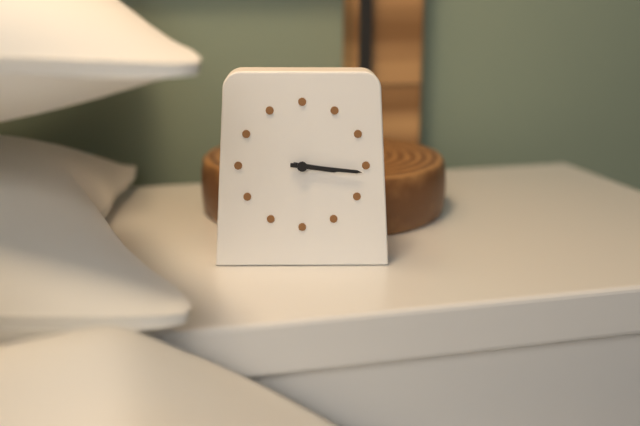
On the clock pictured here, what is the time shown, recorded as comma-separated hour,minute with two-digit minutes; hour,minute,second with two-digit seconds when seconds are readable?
3,16
